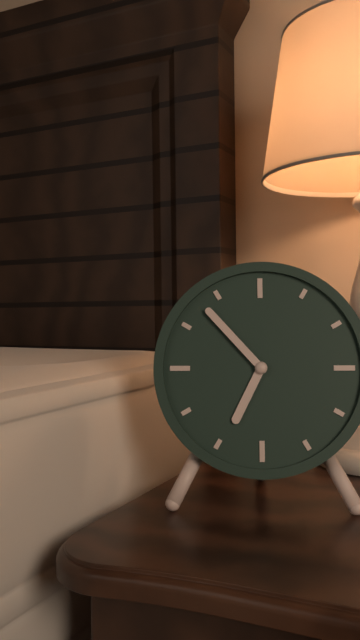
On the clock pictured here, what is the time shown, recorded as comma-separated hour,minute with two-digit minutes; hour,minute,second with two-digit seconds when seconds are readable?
6,53
